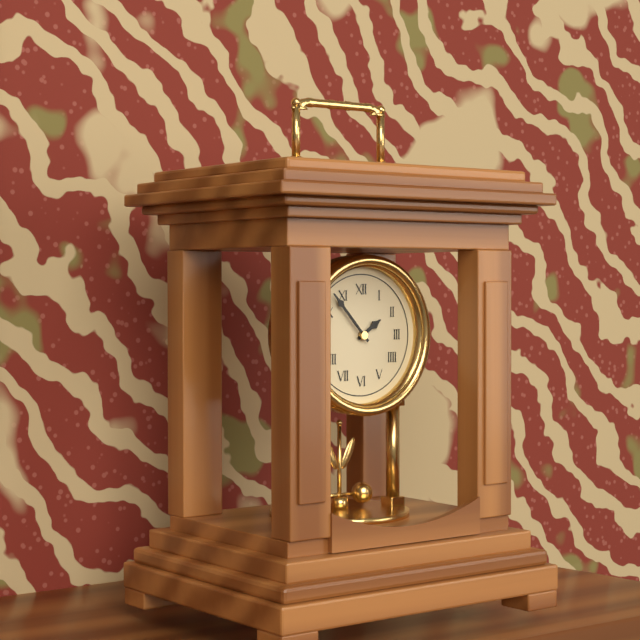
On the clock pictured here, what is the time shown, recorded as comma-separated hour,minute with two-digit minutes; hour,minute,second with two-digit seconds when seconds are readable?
1,53
